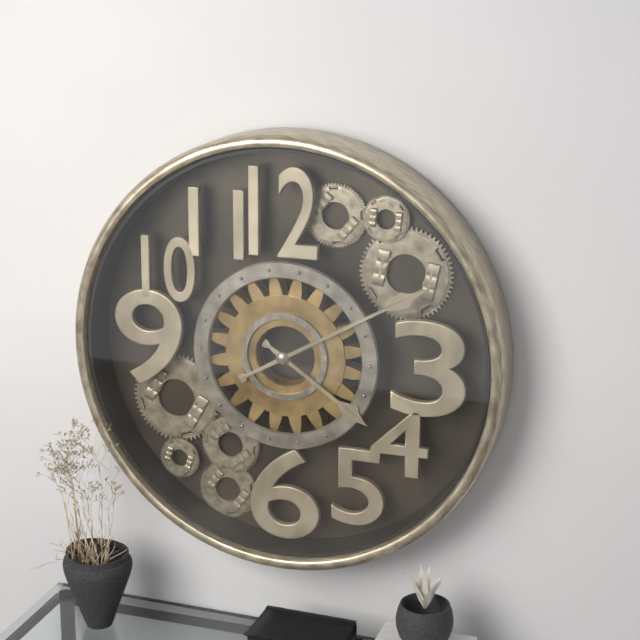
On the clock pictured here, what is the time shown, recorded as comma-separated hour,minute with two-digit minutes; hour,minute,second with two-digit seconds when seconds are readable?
4,10
